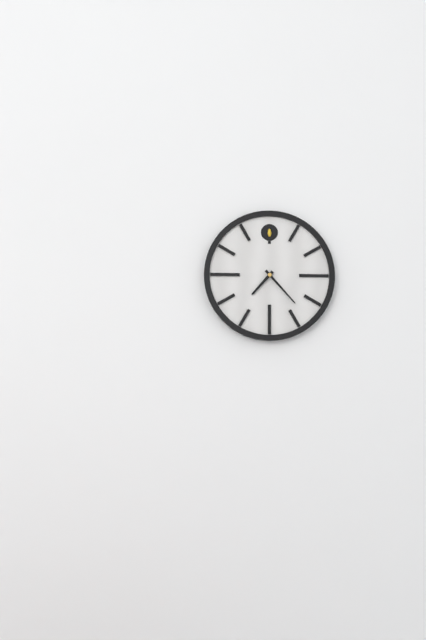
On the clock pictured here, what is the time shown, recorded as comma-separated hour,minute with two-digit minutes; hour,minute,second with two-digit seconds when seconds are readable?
7,23
